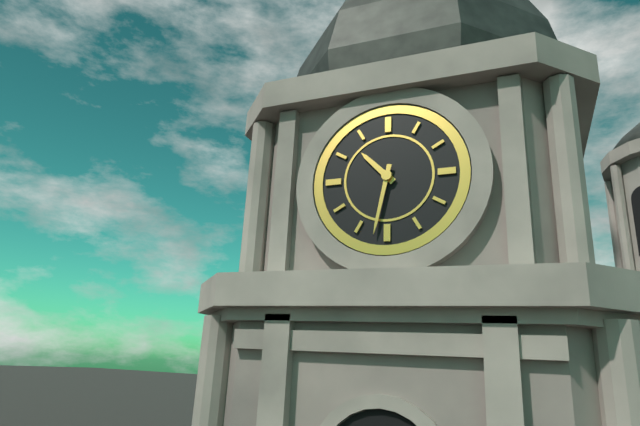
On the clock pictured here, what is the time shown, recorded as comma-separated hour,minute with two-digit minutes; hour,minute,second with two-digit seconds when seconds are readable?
10,32
